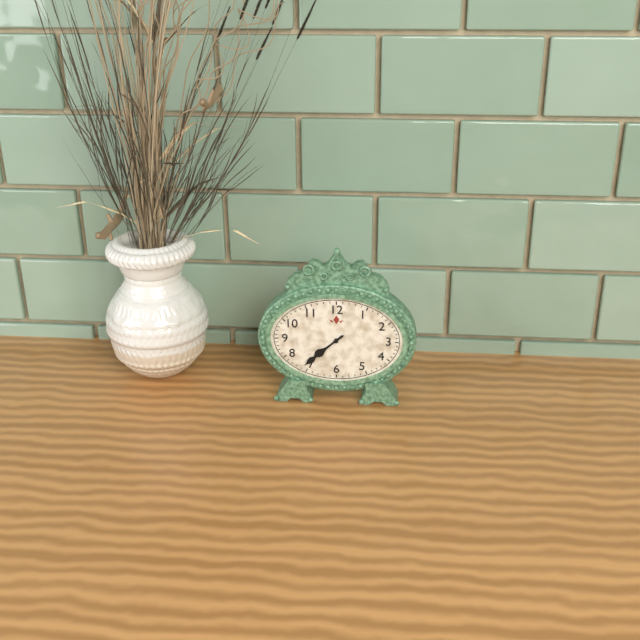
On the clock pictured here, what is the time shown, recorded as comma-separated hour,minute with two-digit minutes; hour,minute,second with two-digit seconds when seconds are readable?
7,38
